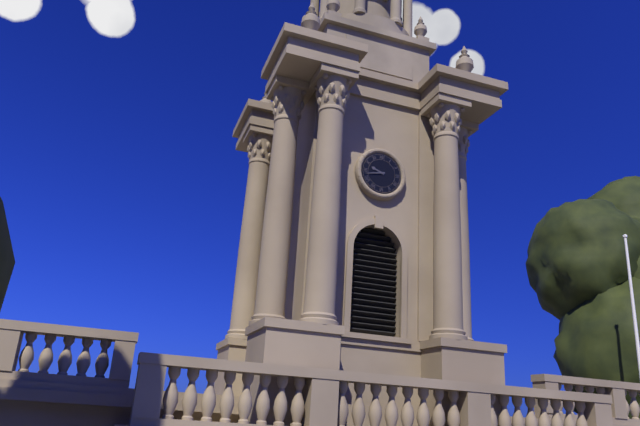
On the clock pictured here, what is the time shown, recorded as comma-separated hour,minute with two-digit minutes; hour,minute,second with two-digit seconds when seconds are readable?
9,43
